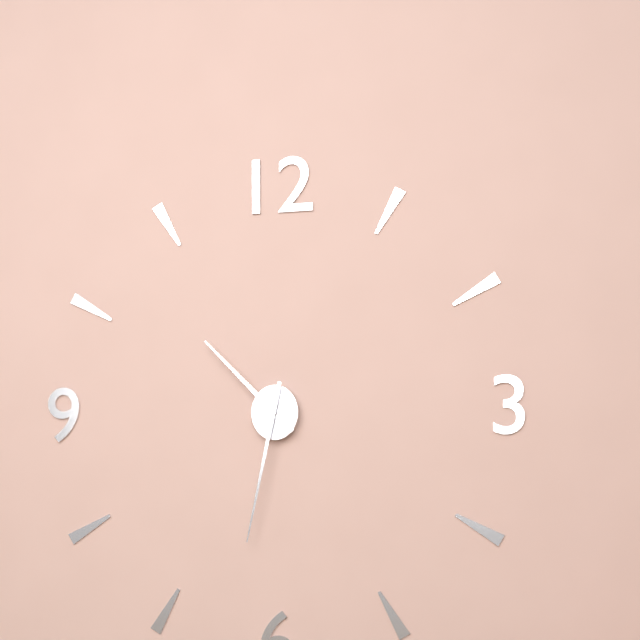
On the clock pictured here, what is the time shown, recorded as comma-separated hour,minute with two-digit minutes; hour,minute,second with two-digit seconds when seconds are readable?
10,32
